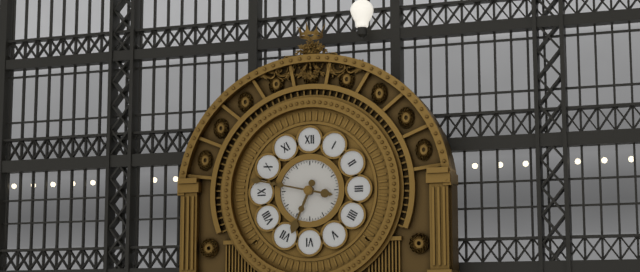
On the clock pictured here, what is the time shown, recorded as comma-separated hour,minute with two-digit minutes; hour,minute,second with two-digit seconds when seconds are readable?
6,47
